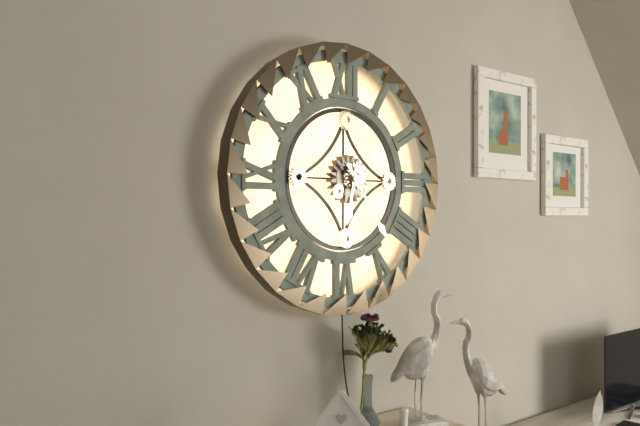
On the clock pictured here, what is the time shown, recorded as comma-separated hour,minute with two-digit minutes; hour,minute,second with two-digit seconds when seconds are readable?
6,24
